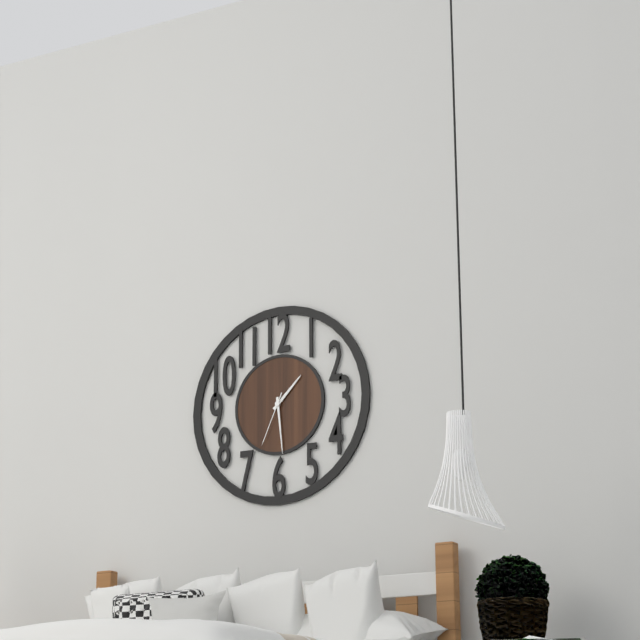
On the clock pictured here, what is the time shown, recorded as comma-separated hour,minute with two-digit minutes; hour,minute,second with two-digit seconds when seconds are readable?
1,29,34
